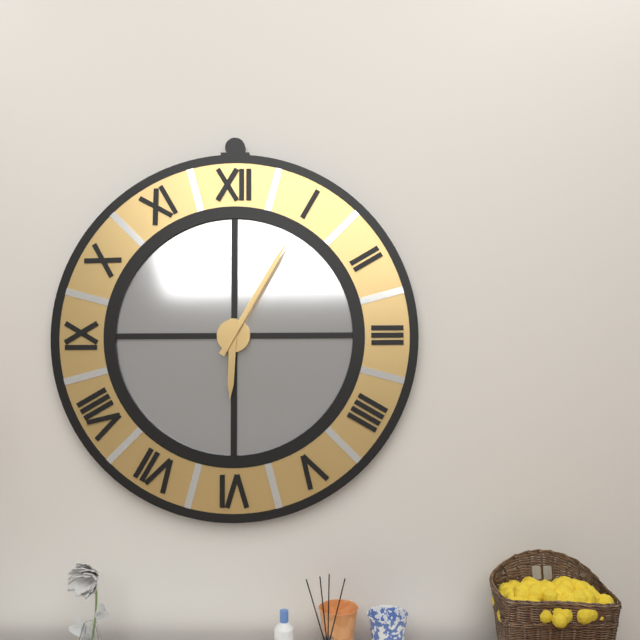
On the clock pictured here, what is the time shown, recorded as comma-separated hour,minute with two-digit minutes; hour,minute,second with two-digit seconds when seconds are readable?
6,05
